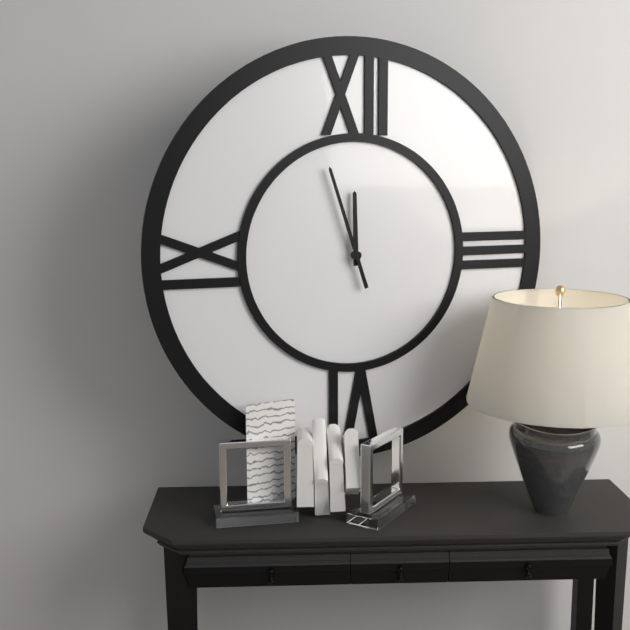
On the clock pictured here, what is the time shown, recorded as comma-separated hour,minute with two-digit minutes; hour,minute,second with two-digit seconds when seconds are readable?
11,57
